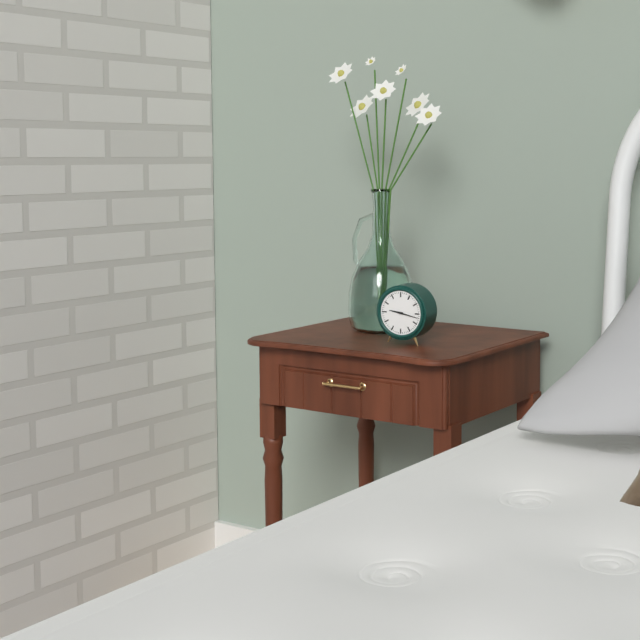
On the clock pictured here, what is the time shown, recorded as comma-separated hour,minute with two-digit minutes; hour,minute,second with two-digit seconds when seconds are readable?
9,17
